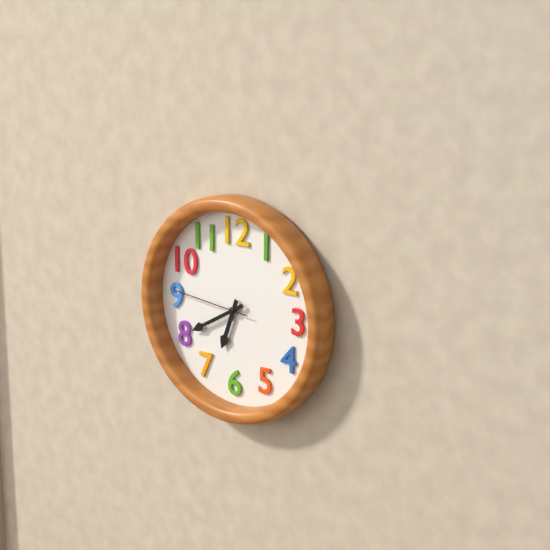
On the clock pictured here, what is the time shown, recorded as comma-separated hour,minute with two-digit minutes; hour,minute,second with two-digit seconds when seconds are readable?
6,40,46
